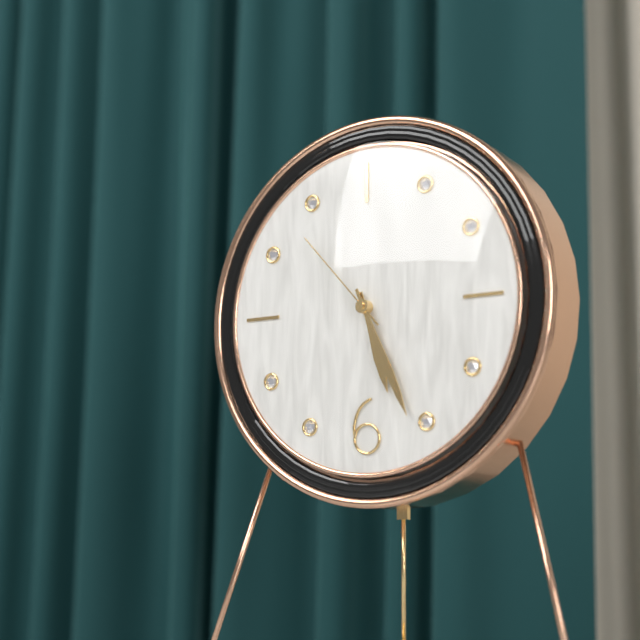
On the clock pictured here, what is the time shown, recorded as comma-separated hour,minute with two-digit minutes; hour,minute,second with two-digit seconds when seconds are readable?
5,26,53
